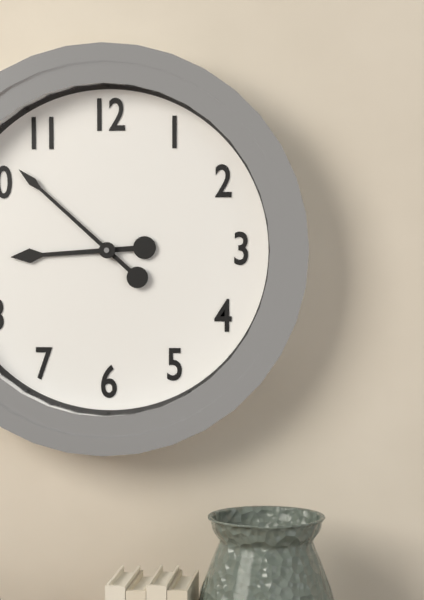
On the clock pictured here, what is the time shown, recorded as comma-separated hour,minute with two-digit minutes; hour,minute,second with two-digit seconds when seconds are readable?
8,52
